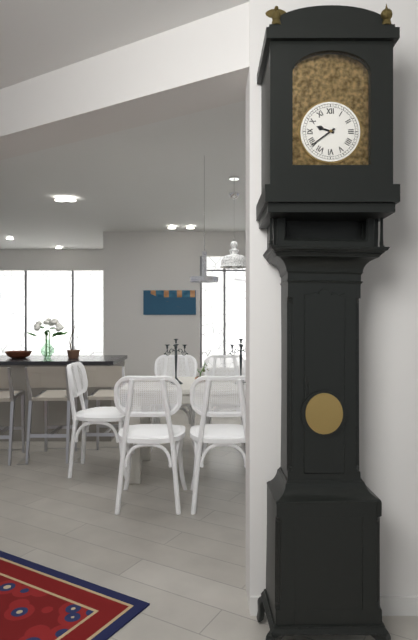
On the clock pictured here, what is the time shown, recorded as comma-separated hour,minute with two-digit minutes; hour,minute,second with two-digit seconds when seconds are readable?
9,39
